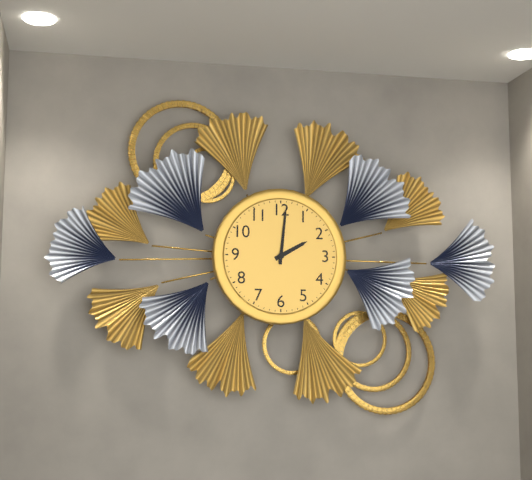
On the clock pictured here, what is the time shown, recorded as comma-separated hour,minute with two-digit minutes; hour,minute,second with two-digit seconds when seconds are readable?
2,01
